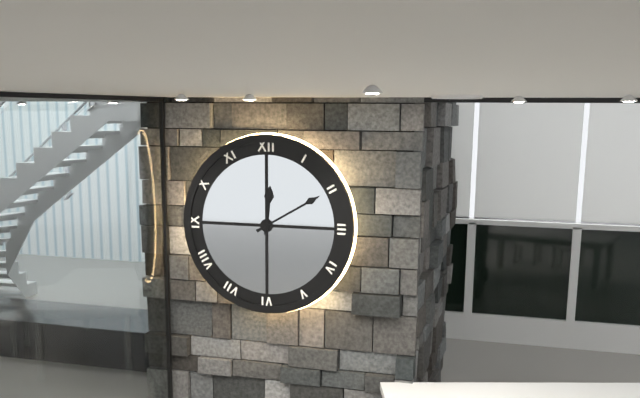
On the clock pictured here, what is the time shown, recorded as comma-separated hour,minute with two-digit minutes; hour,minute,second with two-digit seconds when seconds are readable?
12,10
